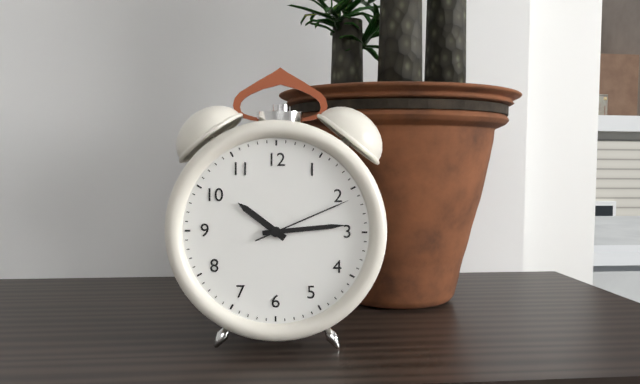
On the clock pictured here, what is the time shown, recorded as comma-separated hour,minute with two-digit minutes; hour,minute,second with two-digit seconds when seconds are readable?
10,14,11
